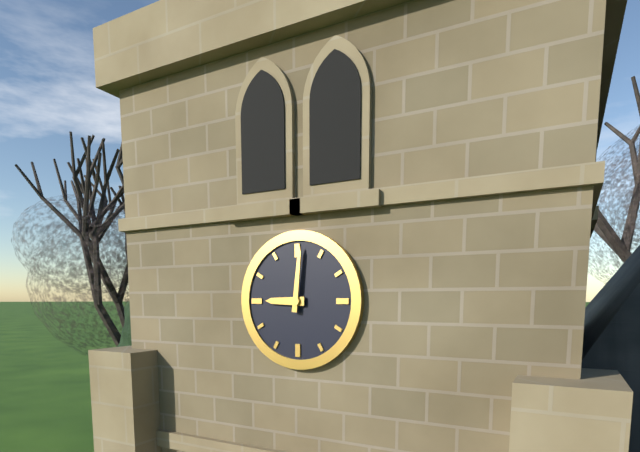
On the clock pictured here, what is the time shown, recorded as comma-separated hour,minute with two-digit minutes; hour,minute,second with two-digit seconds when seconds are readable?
9,01
